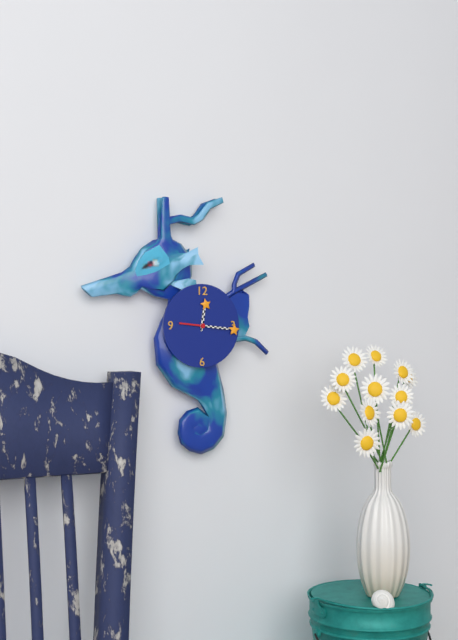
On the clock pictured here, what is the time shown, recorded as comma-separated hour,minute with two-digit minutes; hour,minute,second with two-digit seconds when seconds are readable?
12,16
